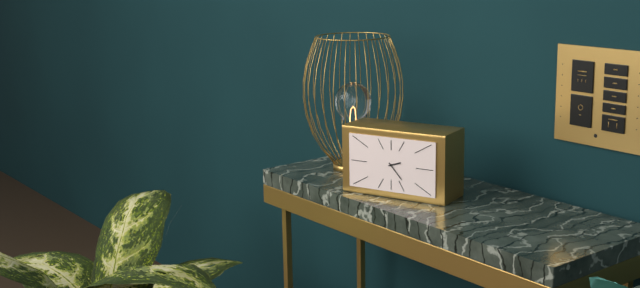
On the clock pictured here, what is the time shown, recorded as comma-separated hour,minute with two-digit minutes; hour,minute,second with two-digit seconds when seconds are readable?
2,23
